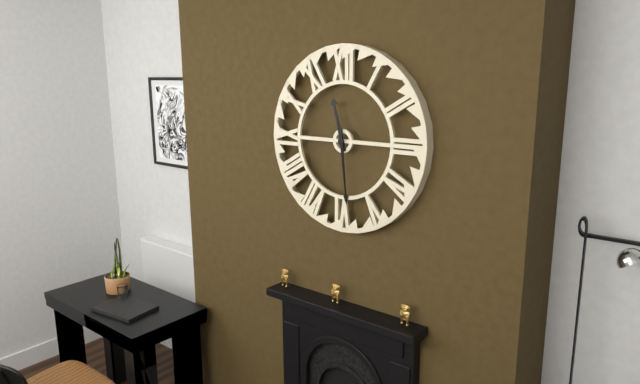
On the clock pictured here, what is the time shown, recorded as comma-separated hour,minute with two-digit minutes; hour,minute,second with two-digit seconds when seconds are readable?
11,29
